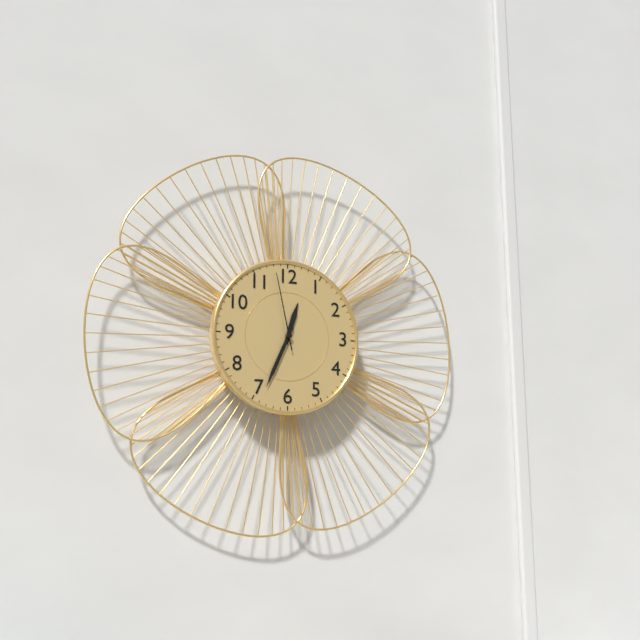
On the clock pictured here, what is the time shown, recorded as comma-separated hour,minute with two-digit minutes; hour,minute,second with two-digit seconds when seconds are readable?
12,34,58
